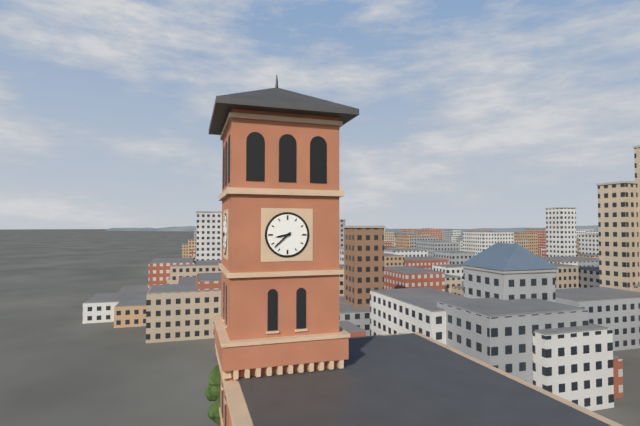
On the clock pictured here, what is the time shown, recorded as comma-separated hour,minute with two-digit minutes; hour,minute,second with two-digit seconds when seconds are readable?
8,38
